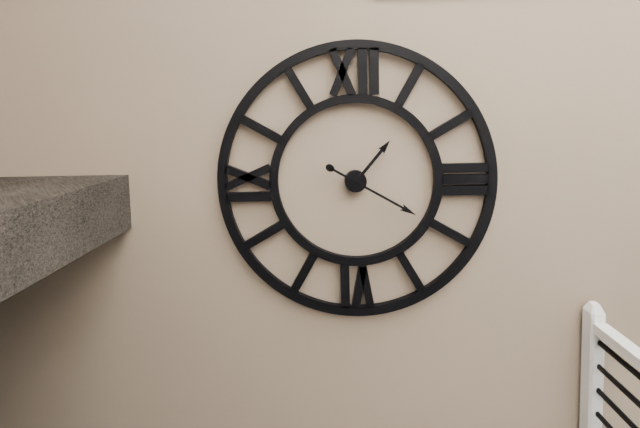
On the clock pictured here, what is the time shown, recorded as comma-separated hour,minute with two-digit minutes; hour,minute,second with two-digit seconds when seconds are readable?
1,20
